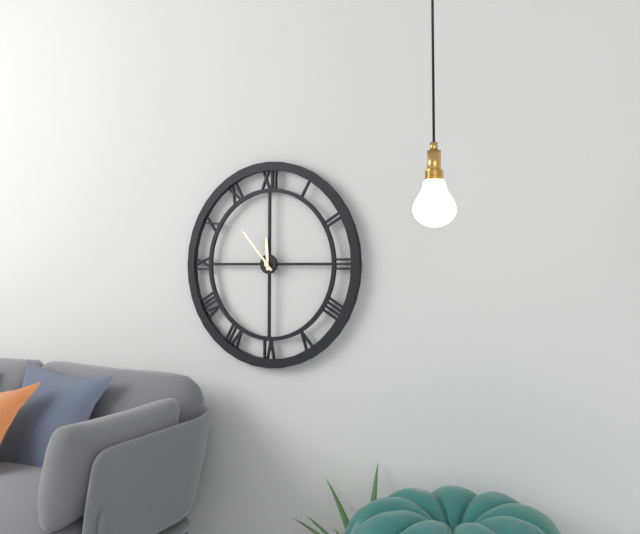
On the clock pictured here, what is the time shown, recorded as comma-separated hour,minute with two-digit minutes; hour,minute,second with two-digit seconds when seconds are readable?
11,53
